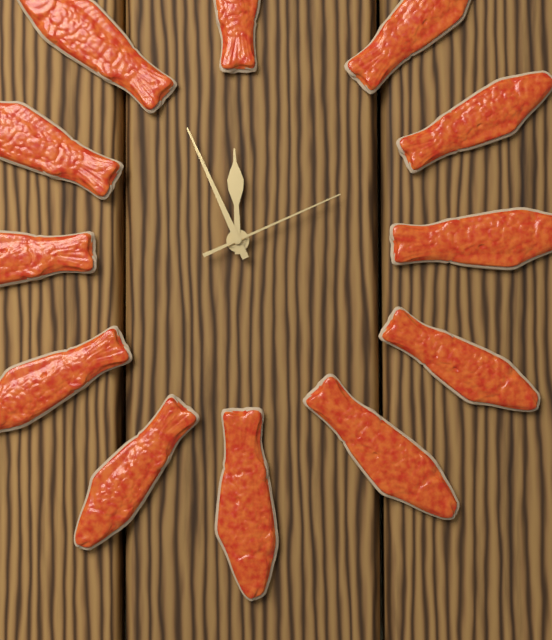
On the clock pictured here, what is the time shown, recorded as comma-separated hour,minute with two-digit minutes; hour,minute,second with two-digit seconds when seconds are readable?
11,56,11
